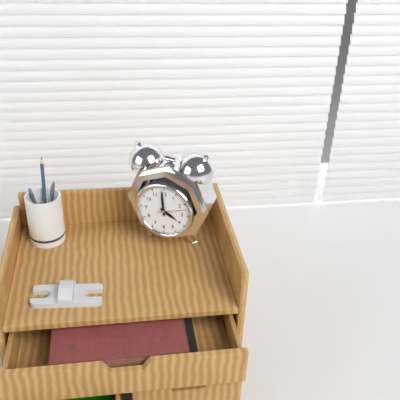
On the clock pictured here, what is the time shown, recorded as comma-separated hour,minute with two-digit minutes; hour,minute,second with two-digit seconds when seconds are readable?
3,59
